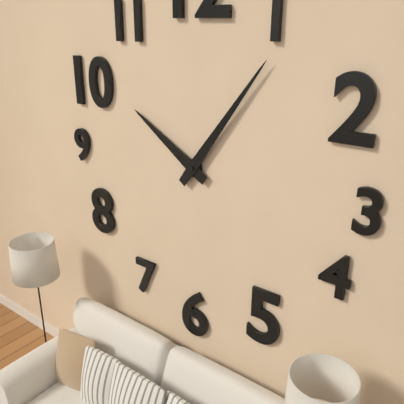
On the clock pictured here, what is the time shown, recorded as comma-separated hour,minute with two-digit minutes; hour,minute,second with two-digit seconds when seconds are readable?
10,06
